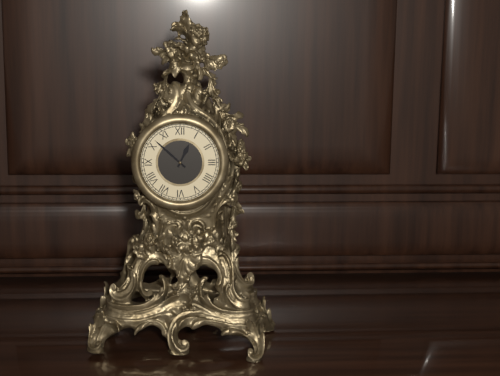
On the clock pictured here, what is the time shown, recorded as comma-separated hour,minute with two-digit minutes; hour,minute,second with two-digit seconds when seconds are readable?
12,52
